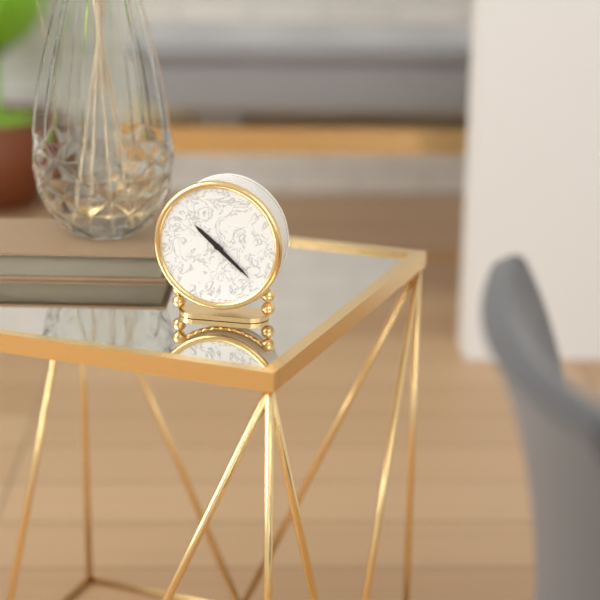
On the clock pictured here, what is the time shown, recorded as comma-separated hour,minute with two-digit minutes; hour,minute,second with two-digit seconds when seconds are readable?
10,22
